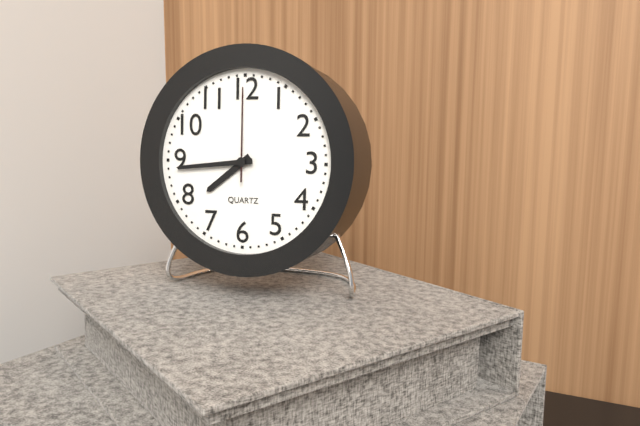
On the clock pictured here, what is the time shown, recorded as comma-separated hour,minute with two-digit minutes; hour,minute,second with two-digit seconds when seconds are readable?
7,44,00
